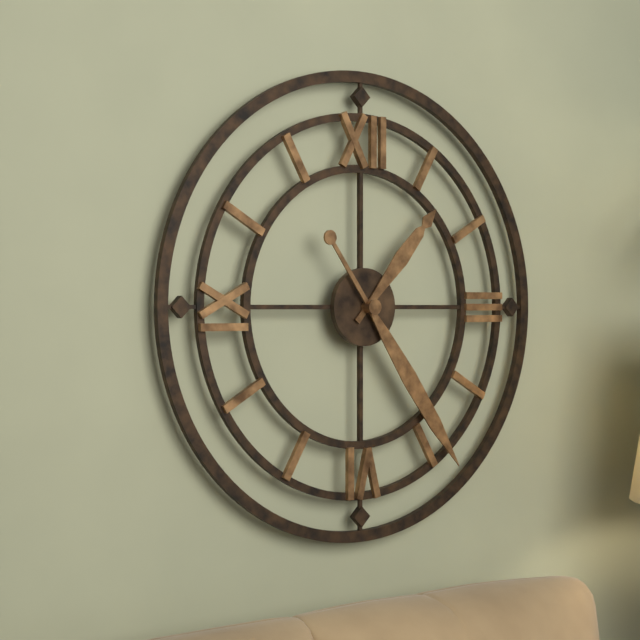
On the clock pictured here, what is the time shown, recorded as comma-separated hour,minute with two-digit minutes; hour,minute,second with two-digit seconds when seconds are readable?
1,24
